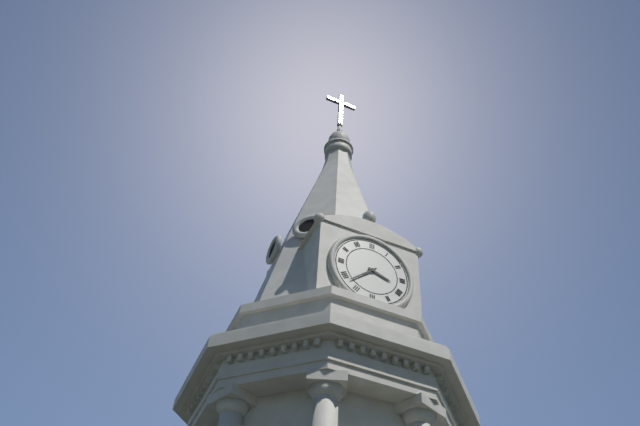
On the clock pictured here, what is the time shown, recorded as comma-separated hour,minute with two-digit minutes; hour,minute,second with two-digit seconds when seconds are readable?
3,38
